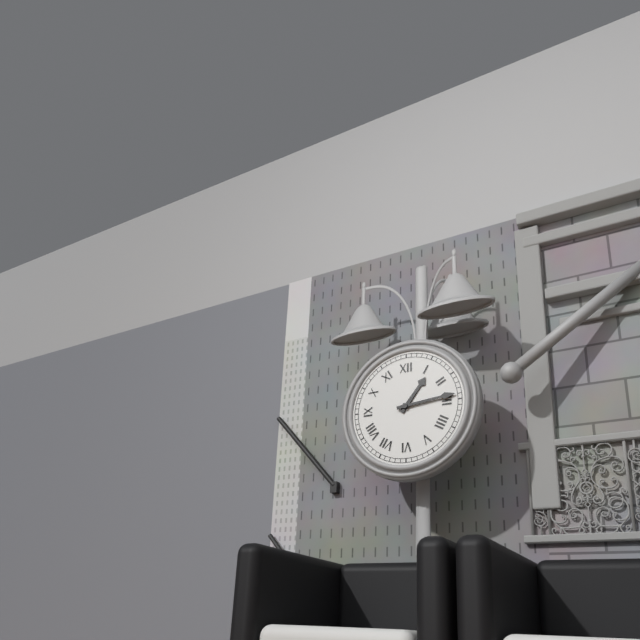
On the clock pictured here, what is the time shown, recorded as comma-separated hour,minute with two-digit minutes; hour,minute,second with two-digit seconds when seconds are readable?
1,14
